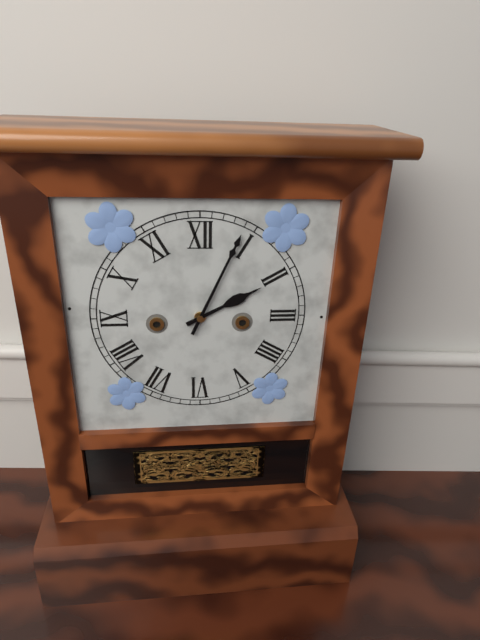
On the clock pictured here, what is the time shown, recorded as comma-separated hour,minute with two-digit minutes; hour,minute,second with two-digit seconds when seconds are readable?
2,04
